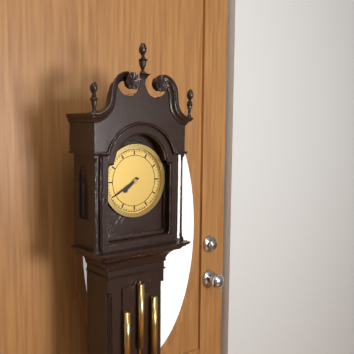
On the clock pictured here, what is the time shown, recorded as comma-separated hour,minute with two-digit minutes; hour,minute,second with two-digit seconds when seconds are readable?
7,40
